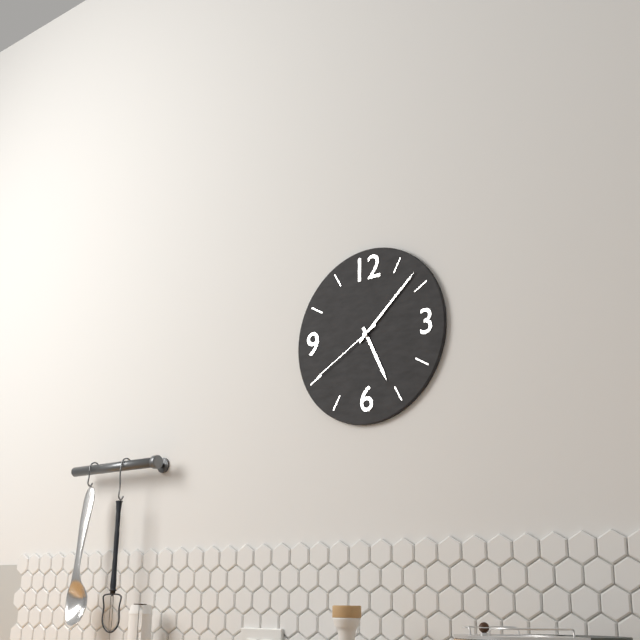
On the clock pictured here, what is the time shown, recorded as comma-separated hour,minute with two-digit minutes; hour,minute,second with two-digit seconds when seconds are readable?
5,08,40
